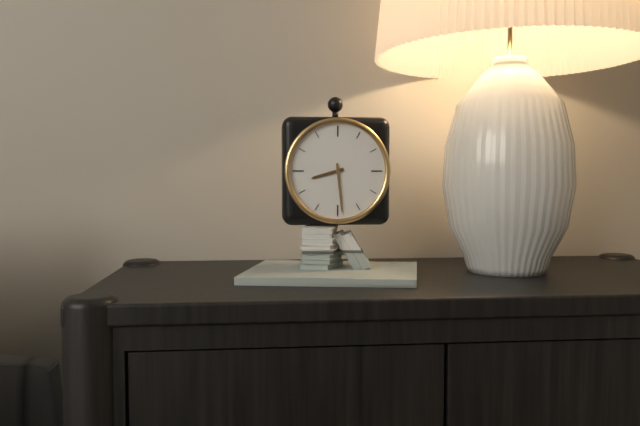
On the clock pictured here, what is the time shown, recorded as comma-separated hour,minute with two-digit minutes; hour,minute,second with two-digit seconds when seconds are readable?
8,29
